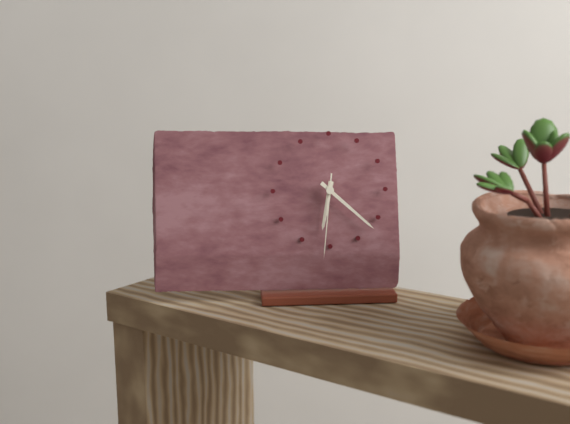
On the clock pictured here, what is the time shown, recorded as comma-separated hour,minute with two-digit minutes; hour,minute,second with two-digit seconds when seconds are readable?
6,22,31
